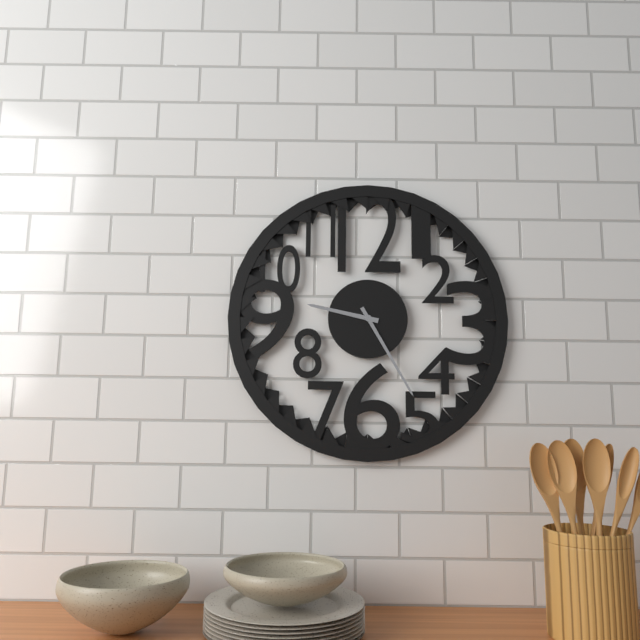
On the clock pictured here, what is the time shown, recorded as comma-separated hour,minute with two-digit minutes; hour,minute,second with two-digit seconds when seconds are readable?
9,25
